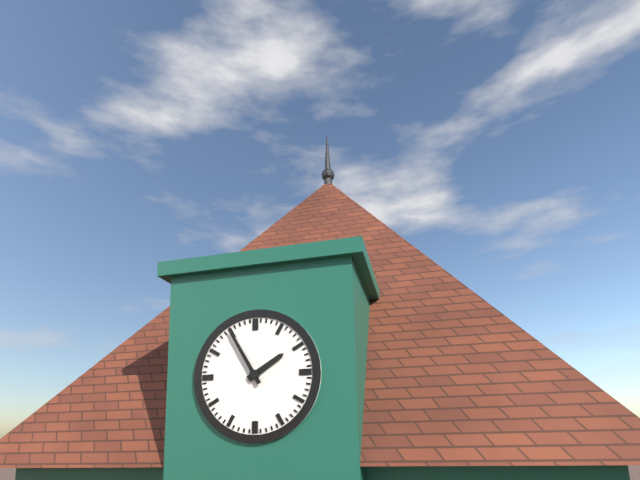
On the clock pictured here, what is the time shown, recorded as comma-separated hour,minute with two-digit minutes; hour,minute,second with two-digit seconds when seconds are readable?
1,55
